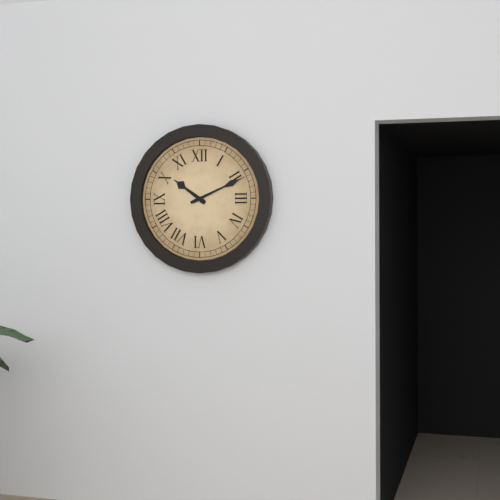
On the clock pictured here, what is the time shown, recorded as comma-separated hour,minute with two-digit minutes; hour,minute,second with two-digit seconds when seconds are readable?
10,11
